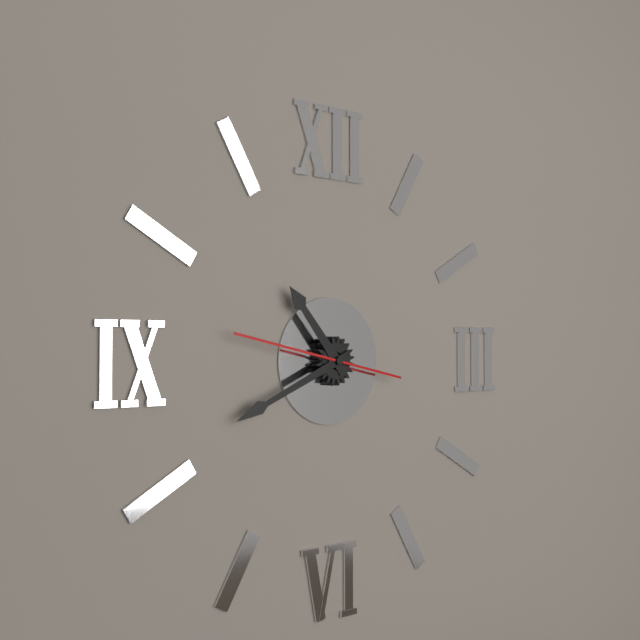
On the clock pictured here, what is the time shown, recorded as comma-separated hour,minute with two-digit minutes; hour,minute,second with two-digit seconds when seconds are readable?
10,41,47
